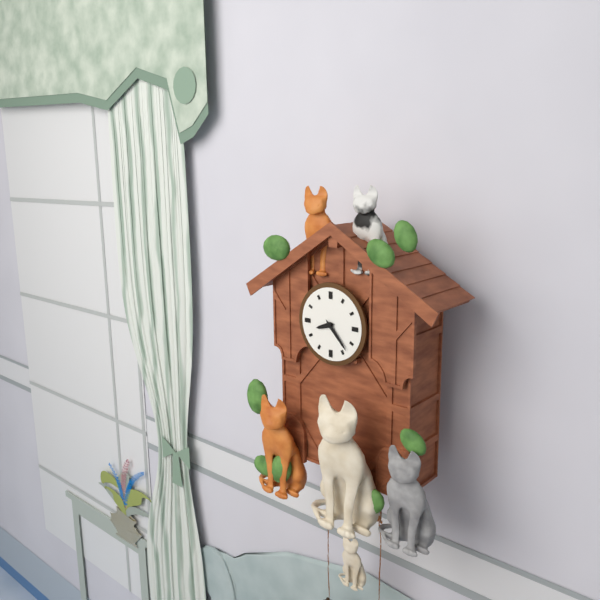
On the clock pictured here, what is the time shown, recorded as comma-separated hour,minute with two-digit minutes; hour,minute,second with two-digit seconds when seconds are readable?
8,23
